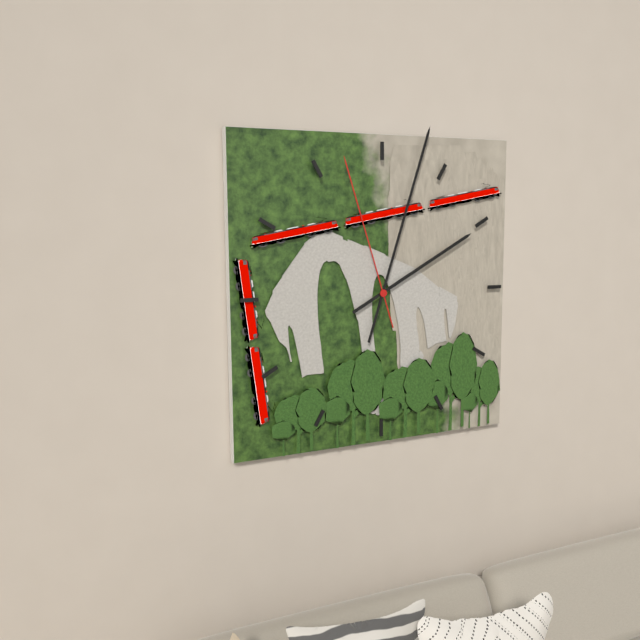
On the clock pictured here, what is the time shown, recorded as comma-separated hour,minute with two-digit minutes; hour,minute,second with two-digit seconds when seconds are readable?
2,03,57
